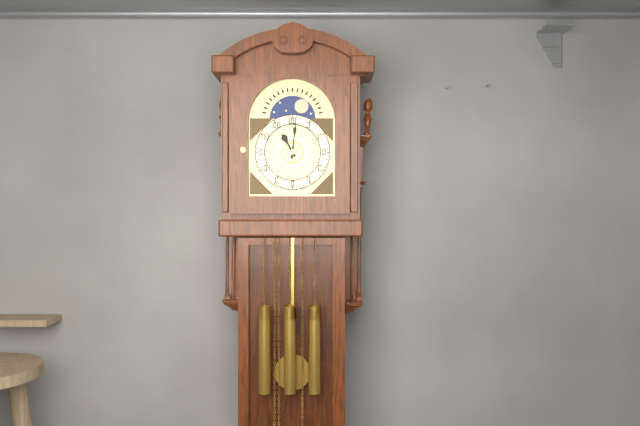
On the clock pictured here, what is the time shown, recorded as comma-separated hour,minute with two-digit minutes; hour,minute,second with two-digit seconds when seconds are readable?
11,01
